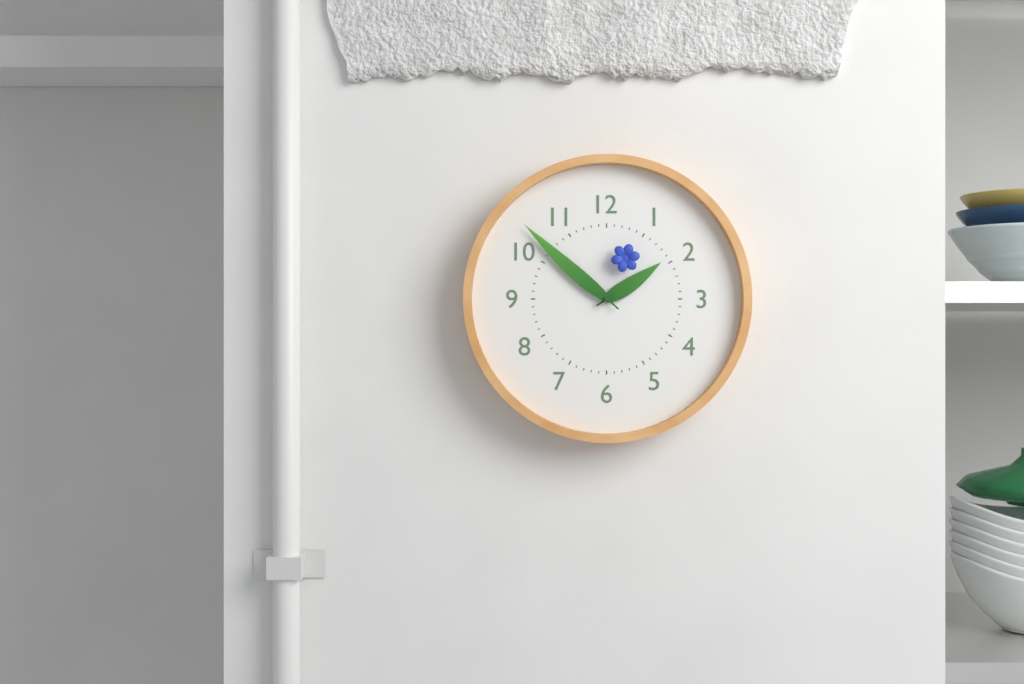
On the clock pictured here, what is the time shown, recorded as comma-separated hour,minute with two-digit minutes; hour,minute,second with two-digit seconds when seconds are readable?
1,52,04
